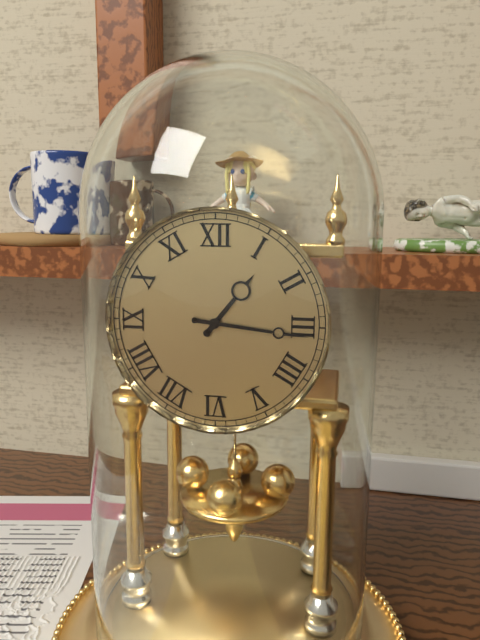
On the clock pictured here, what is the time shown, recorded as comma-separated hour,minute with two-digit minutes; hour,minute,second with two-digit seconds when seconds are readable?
1,16
